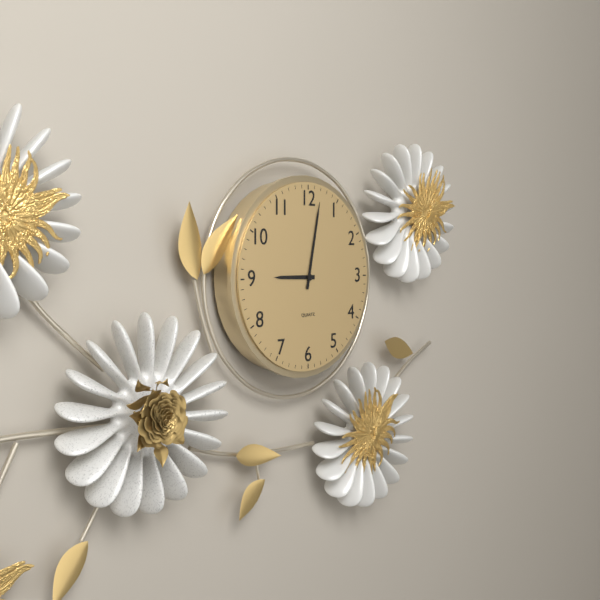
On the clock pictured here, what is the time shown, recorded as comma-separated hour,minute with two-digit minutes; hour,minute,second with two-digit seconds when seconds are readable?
9,02
